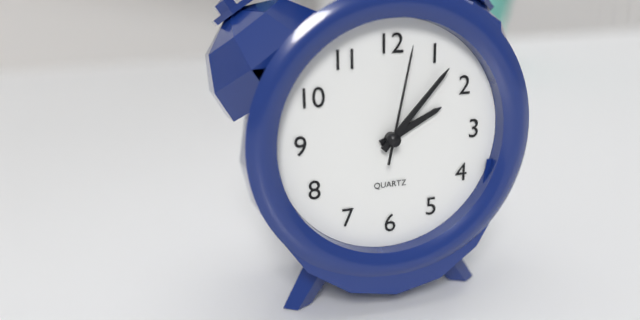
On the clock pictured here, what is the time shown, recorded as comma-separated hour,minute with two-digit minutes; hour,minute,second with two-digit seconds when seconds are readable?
2,07,02
